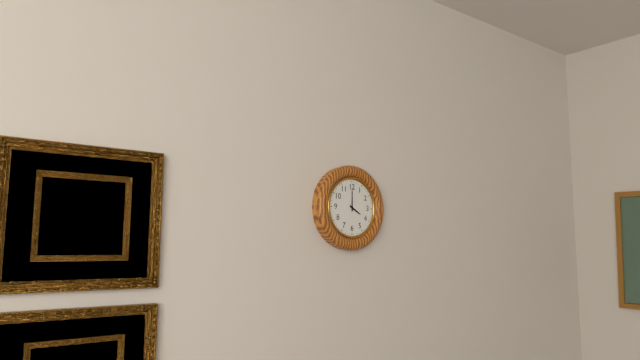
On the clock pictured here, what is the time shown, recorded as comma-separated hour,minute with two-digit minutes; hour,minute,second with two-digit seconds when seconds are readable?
4,00
